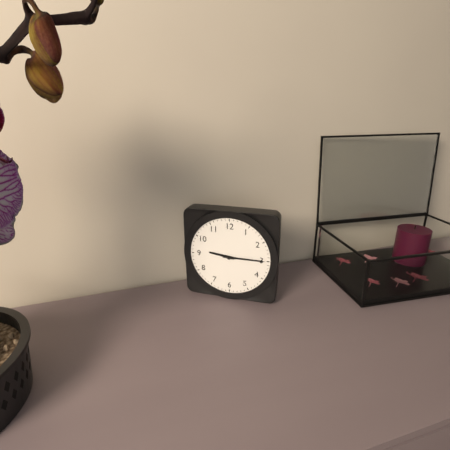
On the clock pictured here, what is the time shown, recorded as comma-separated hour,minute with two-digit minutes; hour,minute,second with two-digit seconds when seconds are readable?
9,15
